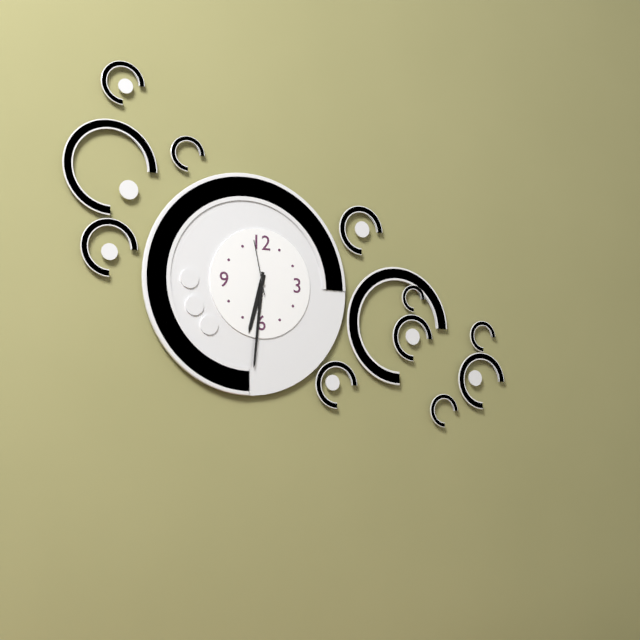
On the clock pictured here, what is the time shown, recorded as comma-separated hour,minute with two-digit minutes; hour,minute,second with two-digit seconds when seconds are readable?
6,31,58
